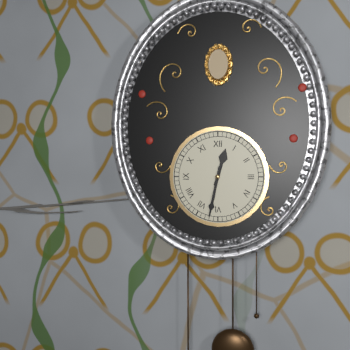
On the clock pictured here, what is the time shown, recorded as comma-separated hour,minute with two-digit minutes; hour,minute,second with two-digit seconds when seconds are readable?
12,32
